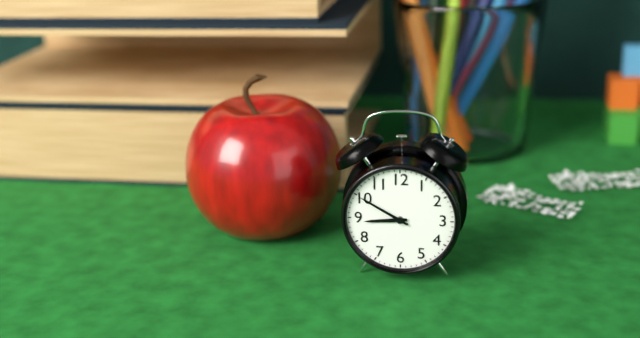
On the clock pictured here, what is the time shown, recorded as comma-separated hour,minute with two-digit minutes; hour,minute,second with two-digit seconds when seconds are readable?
8,50
